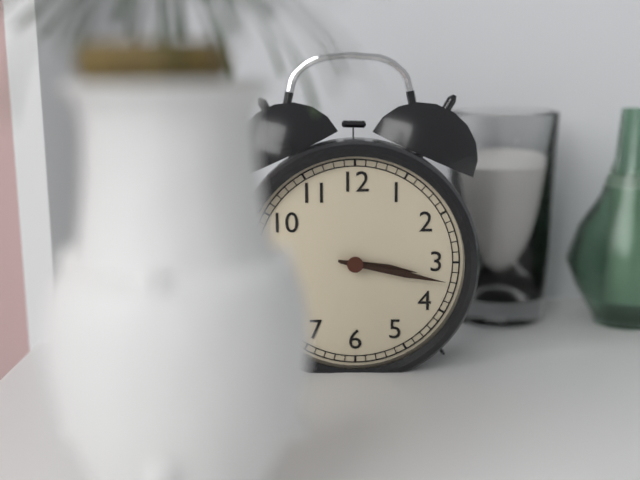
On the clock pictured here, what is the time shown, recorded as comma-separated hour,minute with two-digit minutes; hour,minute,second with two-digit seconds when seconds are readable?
3,17
